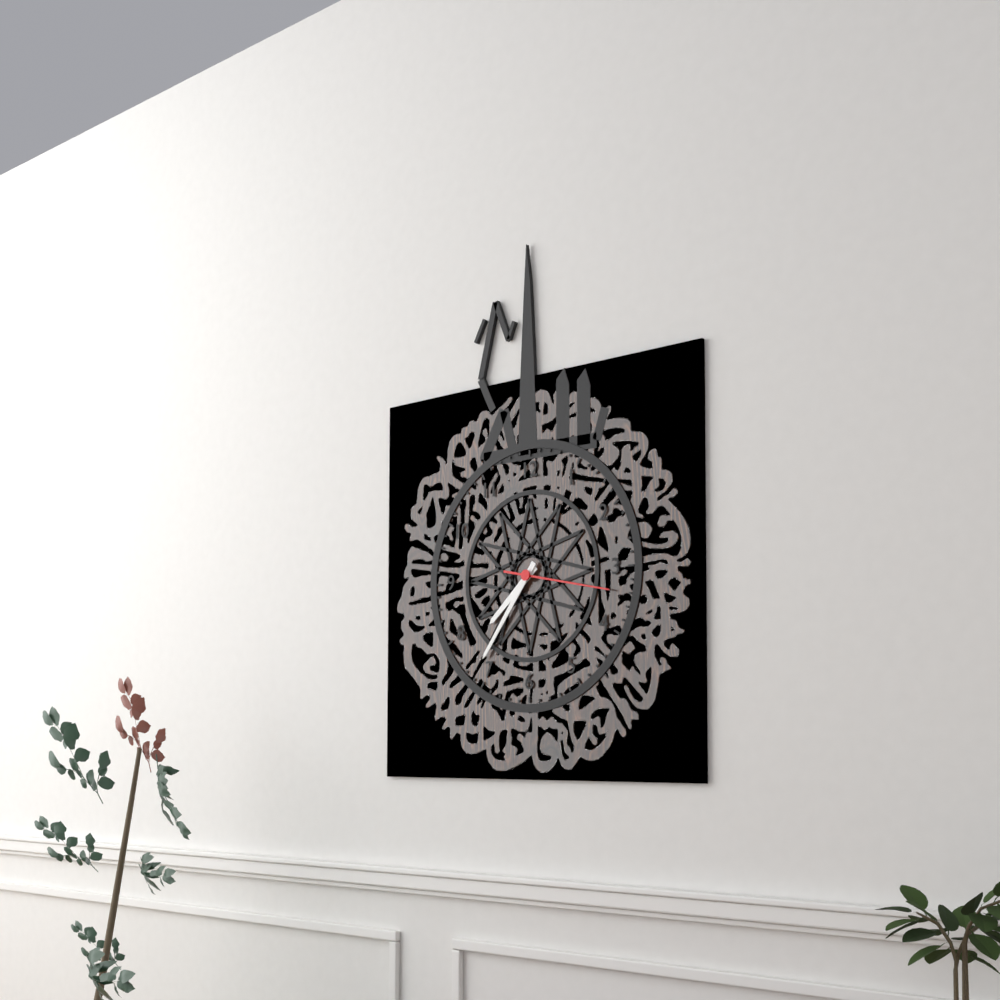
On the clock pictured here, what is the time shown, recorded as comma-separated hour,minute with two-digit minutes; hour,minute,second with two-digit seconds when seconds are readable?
7,36,17
